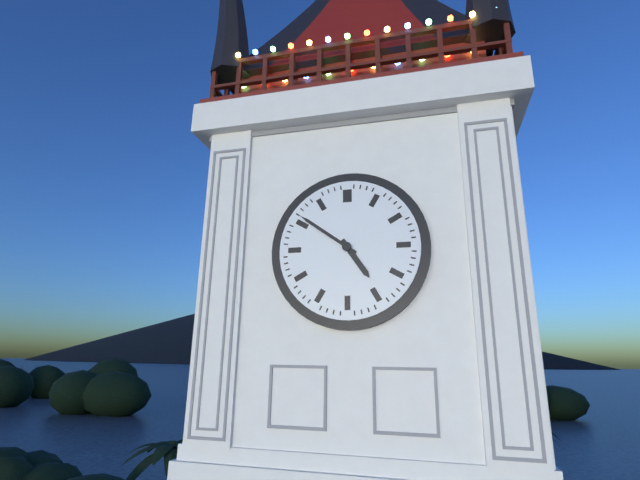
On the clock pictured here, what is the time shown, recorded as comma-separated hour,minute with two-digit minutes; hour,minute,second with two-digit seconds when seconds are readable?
4,51
